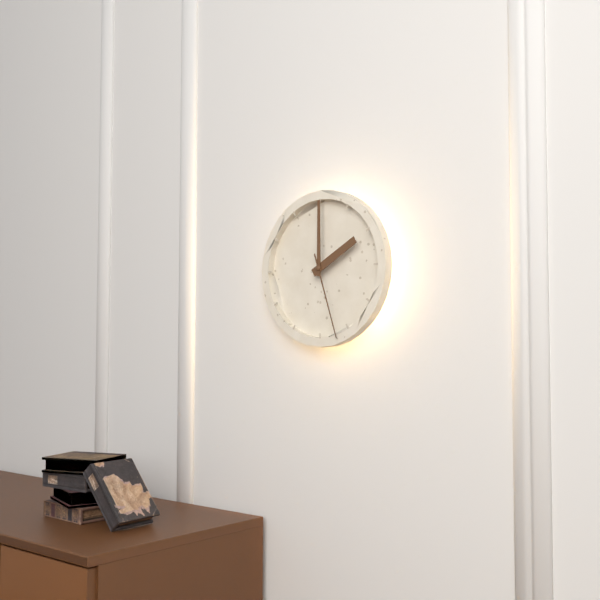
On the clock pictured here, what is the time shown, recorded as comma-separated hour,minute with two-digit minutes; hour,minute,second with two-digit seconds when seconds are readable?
2,00,27
